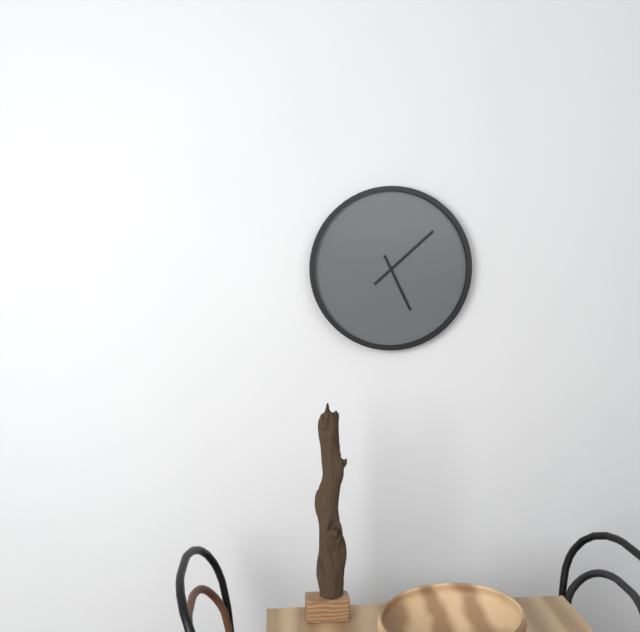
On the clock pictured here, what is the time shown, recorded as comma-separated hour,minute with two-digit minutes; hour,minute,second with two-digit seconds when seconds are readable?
5,08
